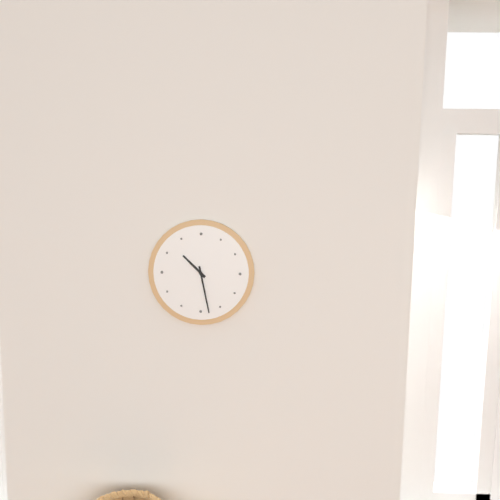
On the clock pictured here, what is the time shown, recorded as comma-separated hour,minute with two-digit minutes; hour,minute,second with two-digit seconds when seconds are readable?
10,28
